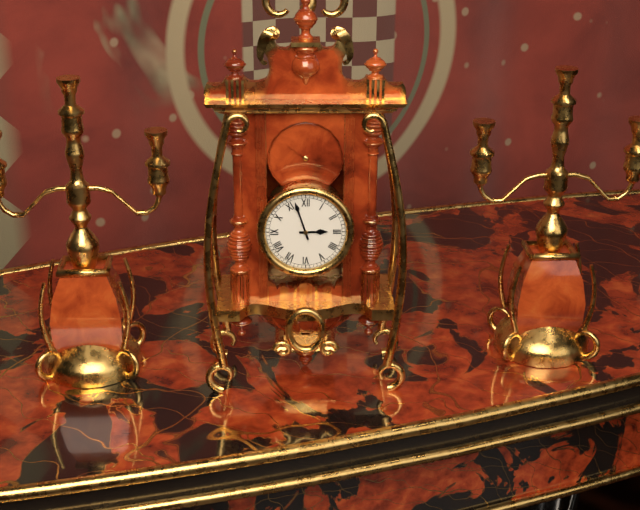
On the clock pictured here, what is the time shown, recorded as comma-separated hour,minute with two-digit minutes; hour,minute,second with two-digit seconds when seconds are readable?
2,57
